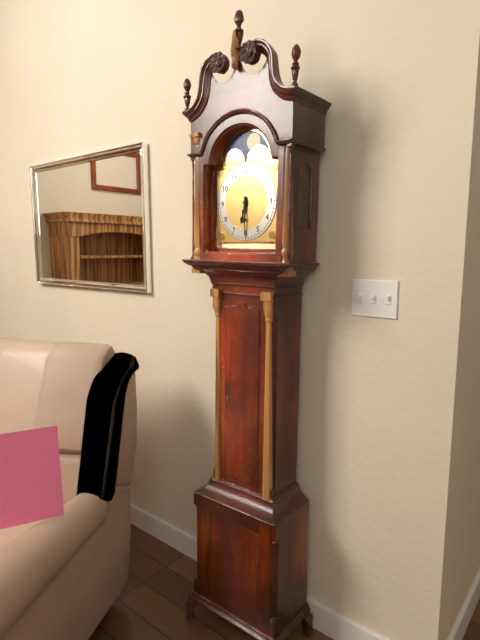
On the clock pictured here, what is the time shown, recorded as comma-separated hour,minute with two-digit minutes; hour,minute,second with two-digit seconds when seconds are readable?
6,30
